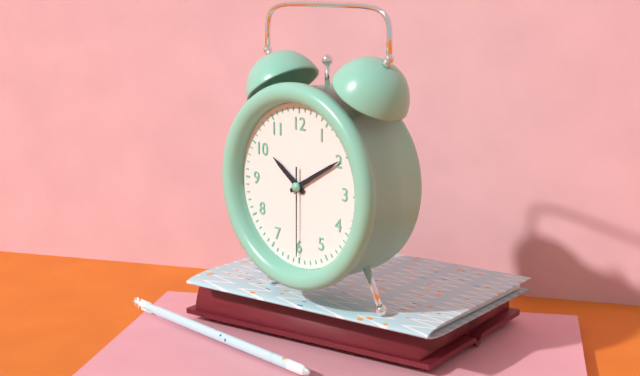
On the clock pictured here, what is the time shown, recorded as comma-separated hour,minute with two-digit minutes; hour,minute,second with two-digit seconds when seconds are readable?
10,10,30
